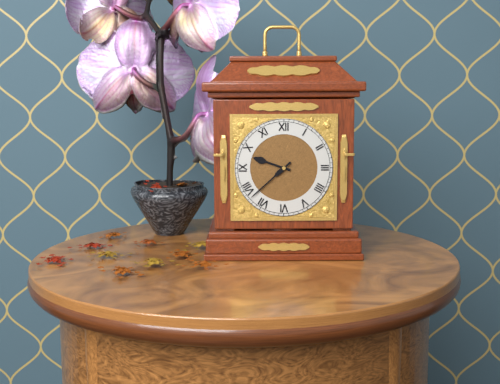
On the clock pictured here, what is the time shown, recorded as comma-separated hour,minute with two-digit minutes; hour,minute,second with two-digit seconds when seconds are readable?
9,38
